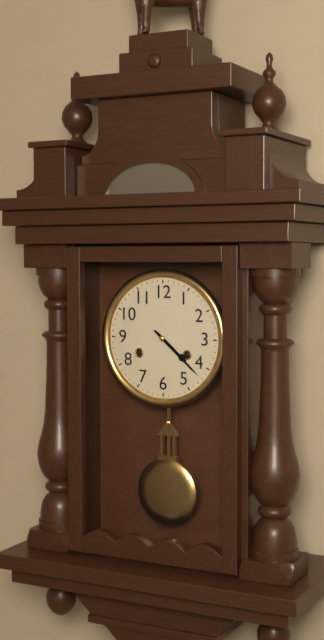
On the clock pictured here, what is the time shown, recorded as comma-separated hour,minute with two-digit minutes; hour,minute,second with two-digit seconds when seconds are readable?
4,22
